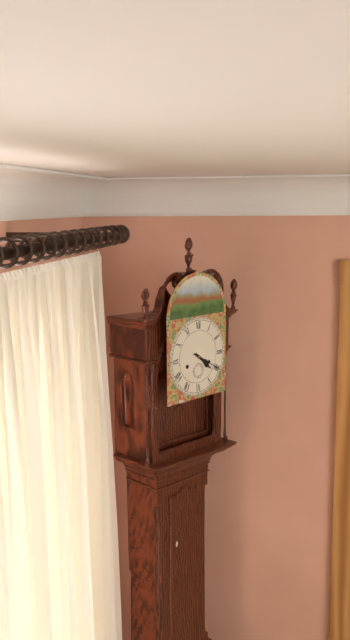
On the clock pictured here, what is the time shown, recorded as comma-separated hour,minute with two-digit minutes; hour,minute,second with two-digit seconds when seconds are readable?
4,20
